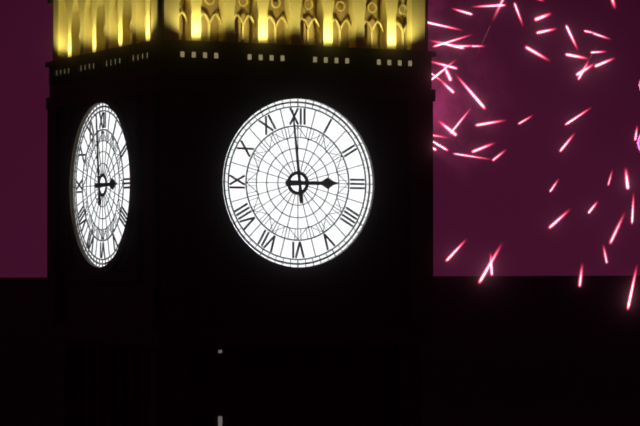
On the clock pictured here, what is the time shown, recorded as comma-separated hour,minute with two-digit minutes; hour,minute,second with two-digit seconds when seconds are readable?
2,59
